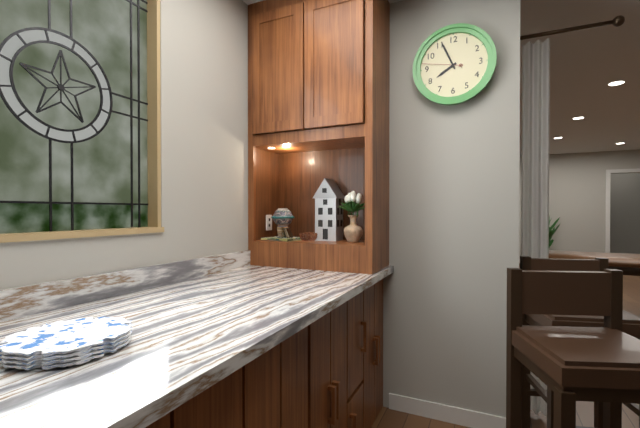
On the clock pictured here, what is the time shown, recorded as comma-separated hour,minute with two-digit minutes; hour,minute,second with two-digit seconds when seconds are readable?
7,56
